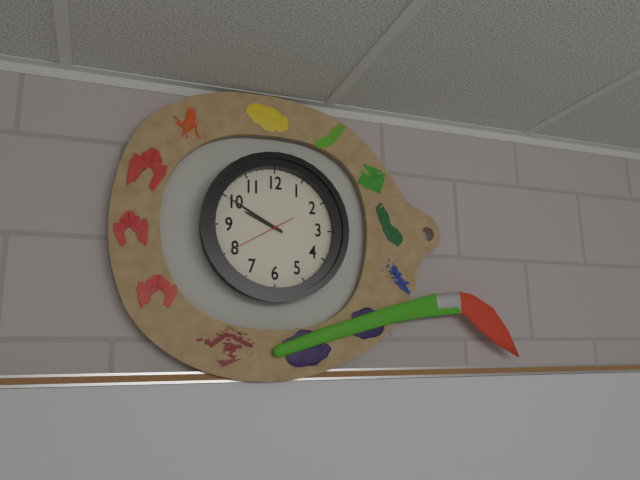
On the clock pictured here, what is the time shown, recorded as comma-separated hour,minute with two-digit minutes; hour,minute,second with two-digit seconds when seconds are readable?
9,50,40
